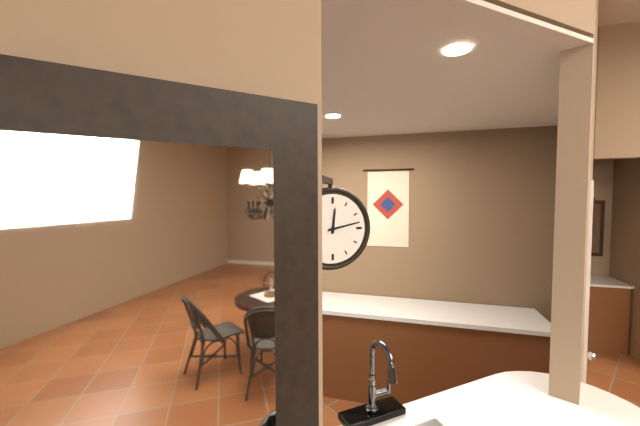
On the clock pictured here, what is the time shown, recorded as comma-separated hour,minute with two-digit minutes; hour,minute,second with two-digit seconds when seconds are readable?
12,13
